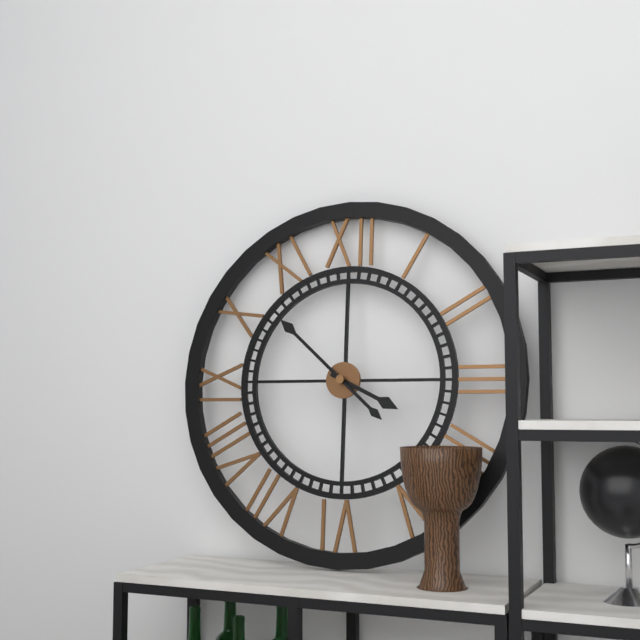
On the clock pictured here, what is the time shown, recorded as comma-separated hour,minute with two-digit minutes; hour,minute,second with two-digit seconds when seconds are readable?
3,52
